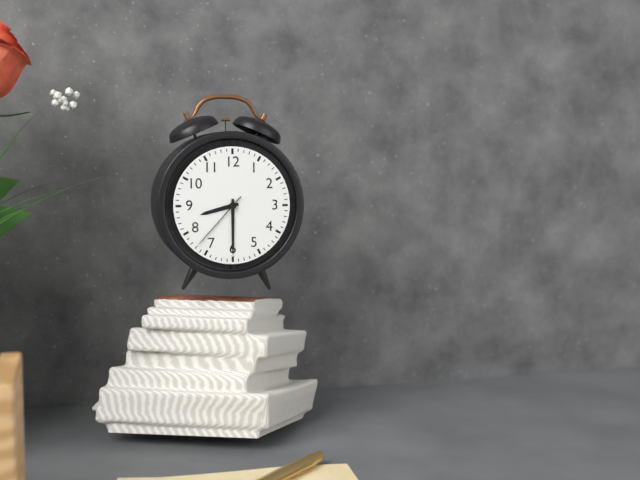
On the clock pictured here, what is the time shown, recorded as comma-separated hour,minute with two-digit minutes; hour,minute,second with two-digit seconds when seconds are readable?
8,30,37
